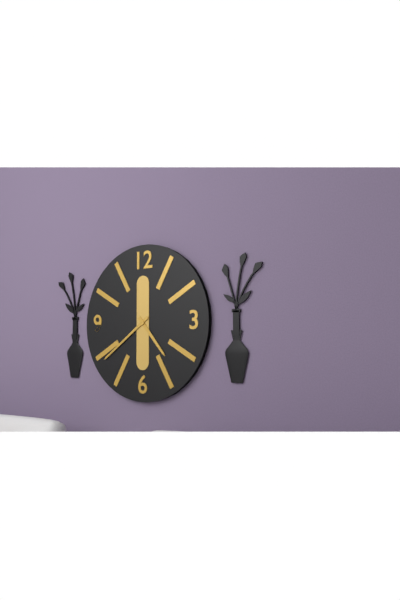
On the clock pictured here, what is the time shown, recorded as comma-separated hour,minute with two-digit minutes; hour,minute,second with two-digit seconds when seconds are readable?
4,39
